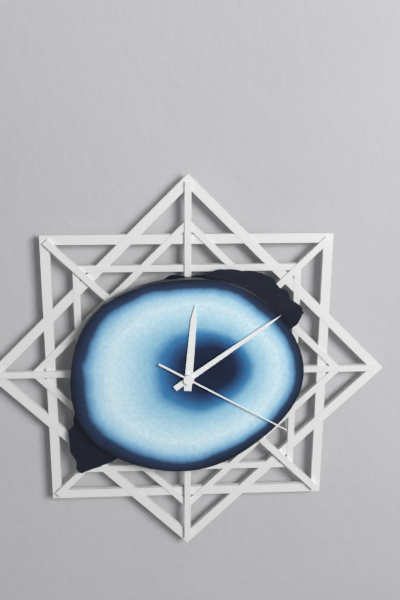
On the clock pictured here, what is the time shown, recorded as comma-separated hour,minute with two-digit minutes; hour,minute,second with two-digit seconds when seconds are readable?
12,09,20
